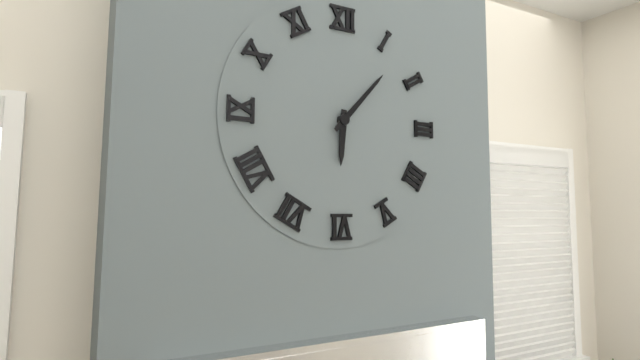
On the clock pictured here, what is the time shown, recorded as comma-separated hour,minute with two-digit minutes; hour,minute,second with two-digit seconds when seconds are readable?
6,07
